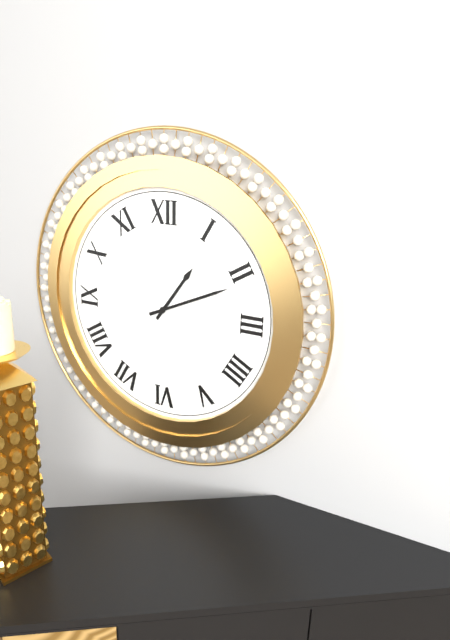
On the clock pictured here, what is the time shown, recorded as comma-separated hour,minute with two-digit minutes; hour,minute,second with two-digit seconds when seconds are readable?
1,11
